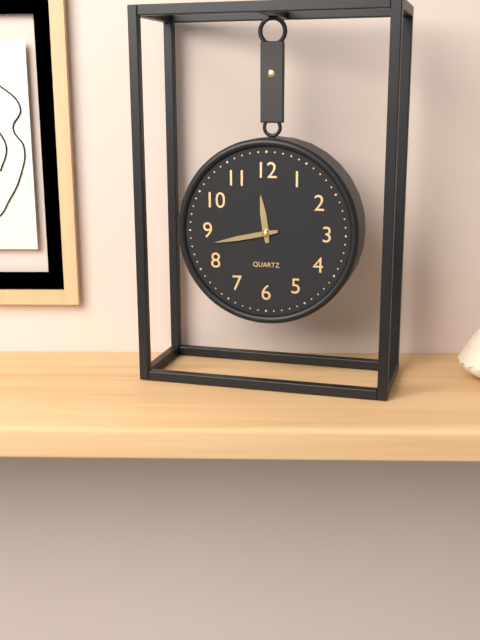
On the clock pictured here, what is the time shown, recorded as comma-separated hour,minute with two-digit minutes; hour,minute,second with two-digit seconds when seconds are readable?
11,43
